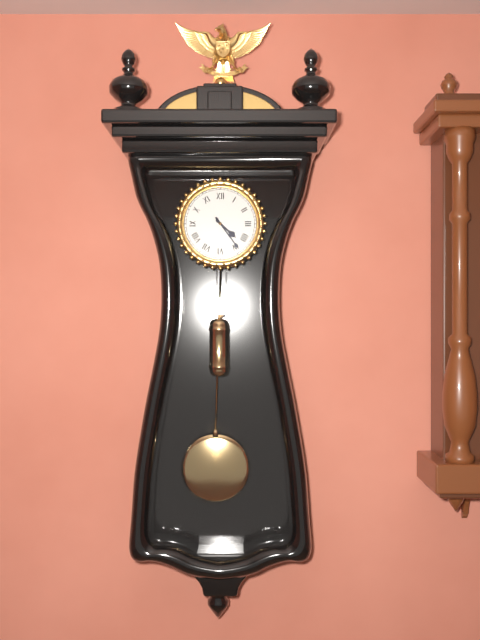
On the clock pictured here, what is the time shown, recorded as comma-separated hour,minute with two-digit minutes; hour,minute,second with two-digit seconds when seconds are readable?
4,24
